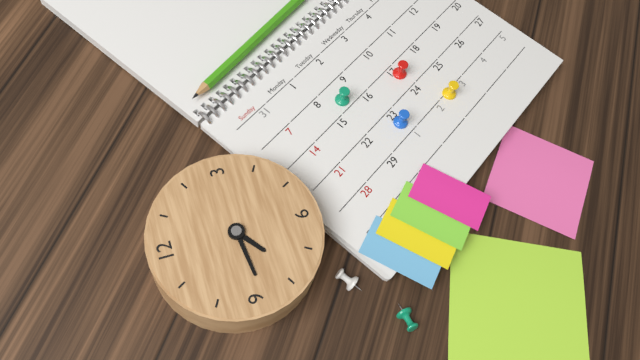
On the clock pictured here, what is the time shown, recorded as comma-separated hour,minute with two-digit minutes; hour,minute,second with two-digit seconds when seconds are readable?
7,44
